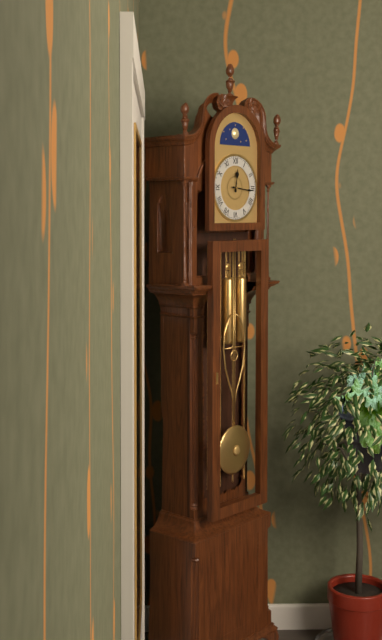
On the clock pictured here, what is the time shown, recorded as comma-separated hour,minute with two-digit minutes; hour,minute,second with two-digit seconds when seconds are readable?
12,16
